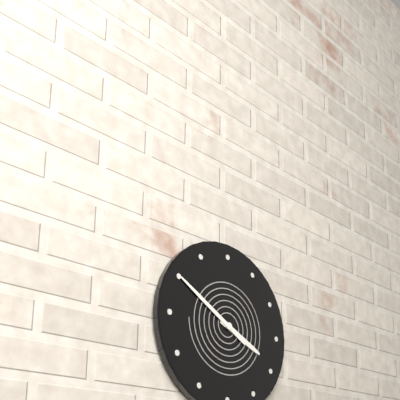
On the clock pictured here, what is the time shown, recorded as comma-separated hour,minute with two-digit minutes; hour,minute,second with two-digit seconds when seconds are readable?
3,50
